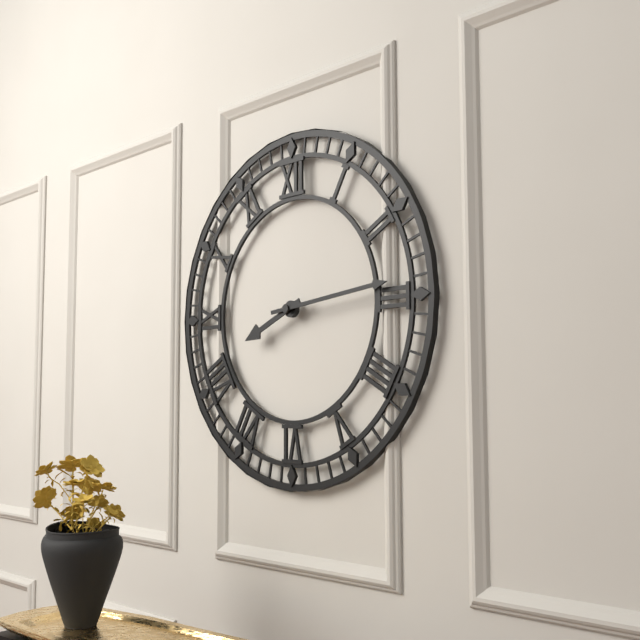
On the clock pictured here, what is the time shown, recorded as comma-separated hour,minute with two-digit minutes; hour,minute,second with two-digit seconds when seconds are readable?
8,14
